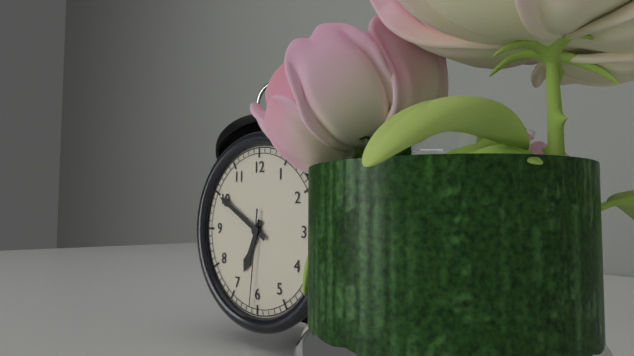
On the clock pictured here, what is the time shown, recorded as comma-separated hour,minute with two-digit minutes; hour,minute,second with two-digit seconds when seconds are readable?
6,50,31
